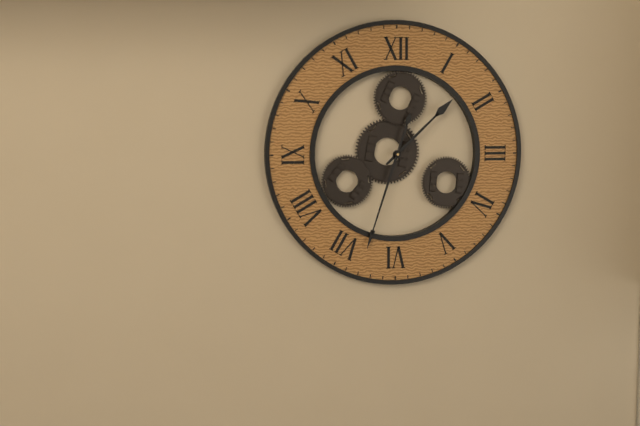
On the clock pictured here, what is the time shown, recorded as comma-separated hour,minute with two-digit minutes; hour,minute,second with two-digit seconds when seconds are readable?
1,33
